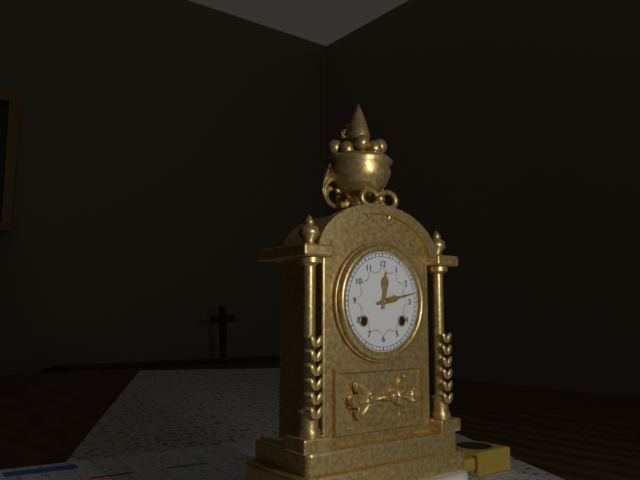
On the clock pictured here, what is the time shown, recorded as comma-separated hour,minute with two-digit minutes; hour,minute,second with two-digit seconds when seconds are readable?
12,13
